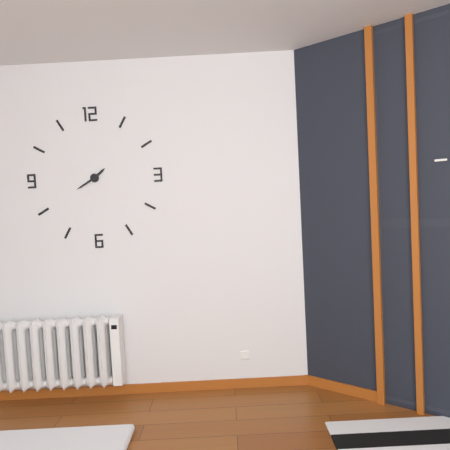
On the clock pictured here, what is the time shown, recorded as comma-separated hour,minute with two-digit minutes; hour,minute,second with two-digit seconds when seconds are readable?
1,40
